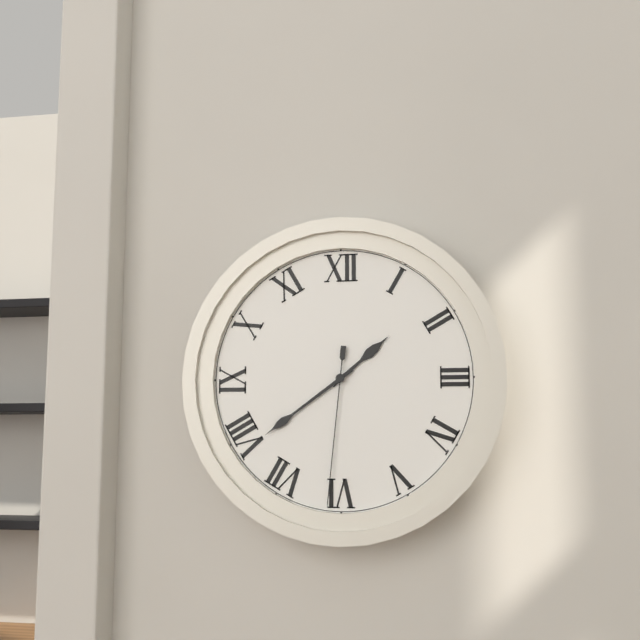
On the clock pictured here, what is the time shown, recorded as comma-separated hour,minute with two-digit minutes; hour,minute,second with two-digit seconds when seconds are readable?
1,39,31
